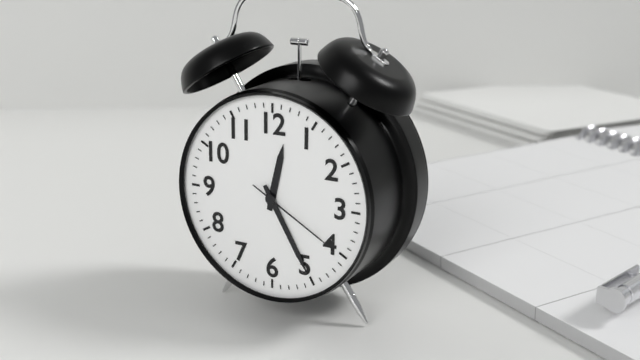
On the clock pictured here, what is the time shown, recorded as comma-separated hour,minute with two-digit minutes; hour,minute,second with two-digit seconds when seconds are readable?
12,25,20
